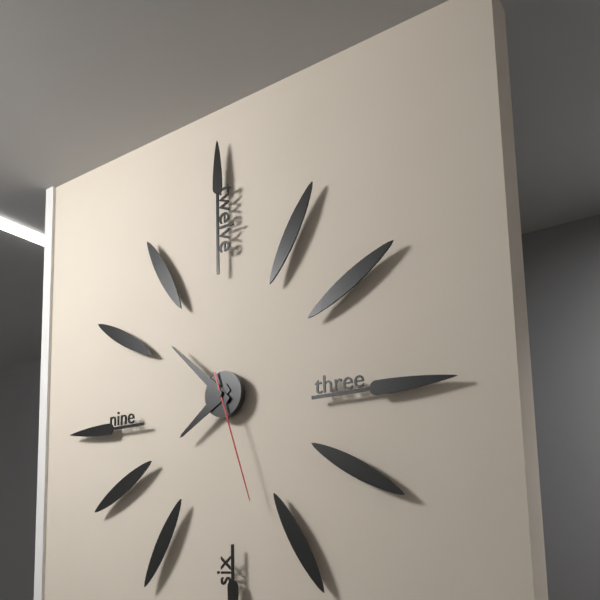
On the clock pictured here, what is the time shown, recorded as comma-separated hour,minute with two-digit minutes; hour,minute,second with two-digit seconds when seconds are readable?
7,52,27
